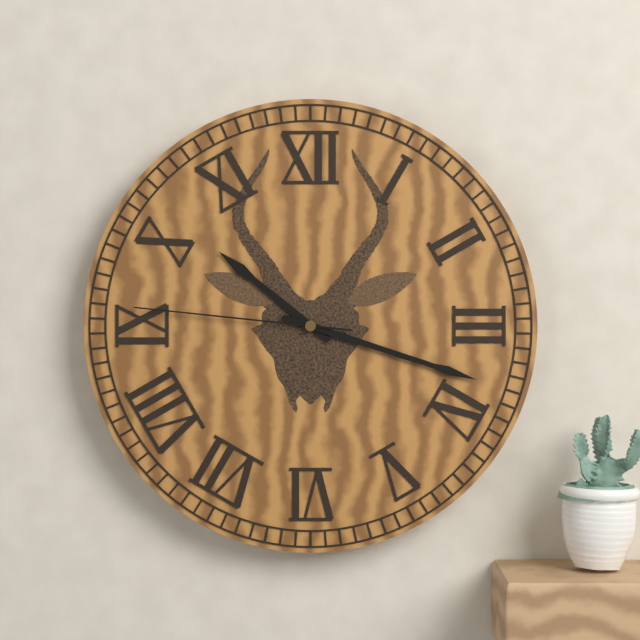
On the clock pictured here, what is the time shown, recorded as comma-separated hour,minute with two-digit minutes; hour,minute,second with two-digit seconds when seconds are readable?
10,18,46
